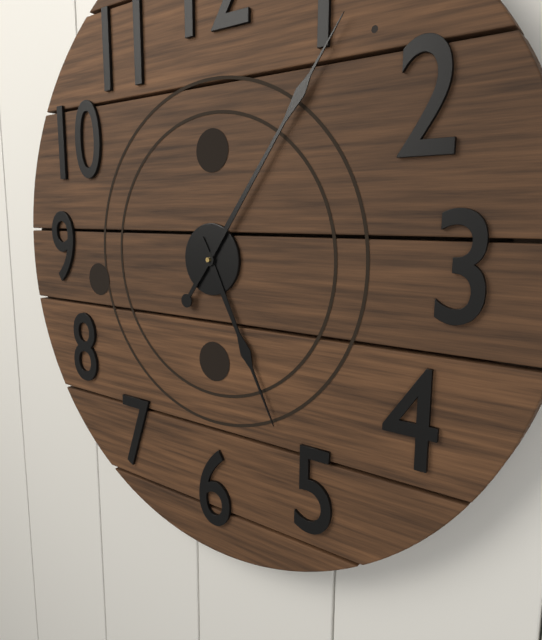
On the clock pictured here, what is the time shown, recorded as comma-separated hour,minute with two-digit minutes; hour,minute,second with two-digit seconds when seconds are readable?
5,06
